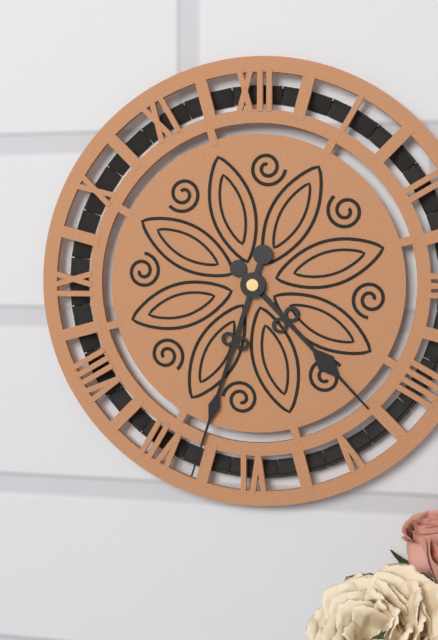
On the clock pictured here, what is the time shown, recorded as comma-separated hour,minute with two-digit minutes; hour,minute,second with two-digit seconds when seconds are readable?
4,33
